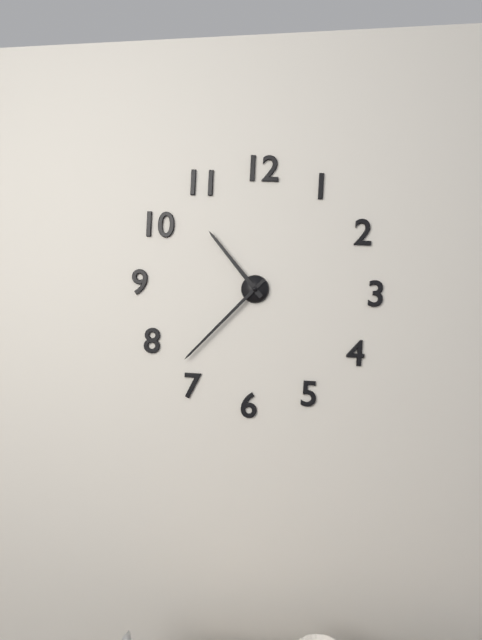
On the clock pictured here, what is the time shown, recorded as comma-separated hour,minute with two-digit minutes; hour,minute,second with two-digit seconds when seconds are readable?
10,37
